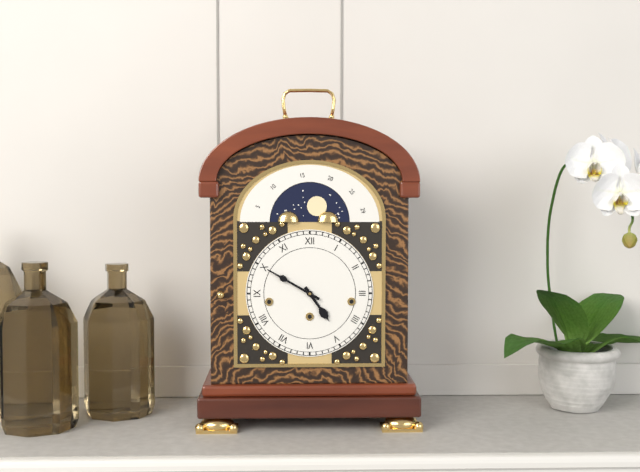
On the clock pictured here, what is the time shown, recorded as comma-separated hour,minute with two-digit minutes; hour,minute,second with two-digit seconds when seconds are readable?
4,50
